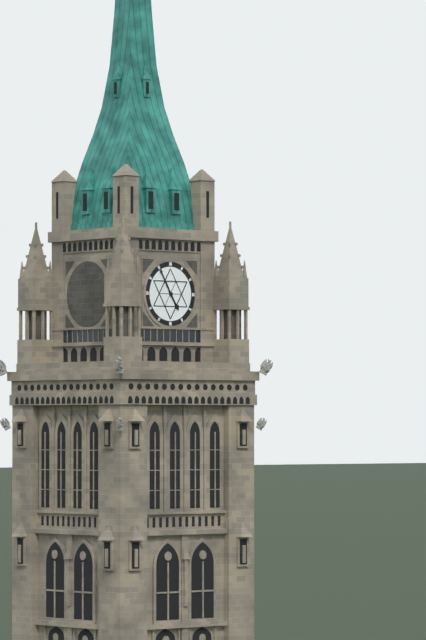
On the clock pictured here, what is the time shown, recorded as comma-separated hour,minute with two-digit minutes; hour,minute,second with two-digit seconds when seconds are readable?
4,55
